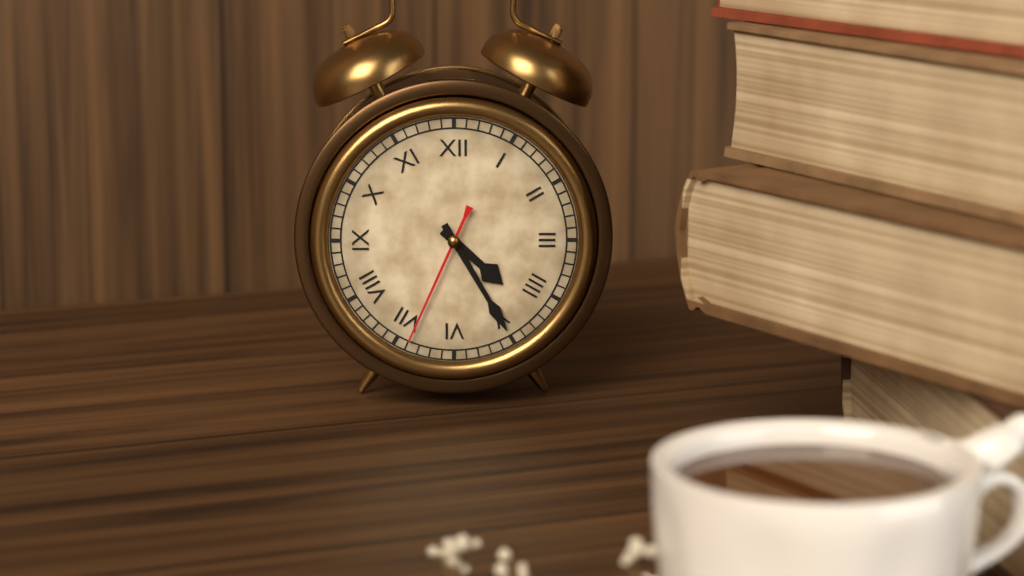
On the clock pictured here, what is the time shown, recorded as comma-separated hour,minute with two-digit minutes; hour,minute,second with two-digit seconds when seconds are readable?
4,25,34
